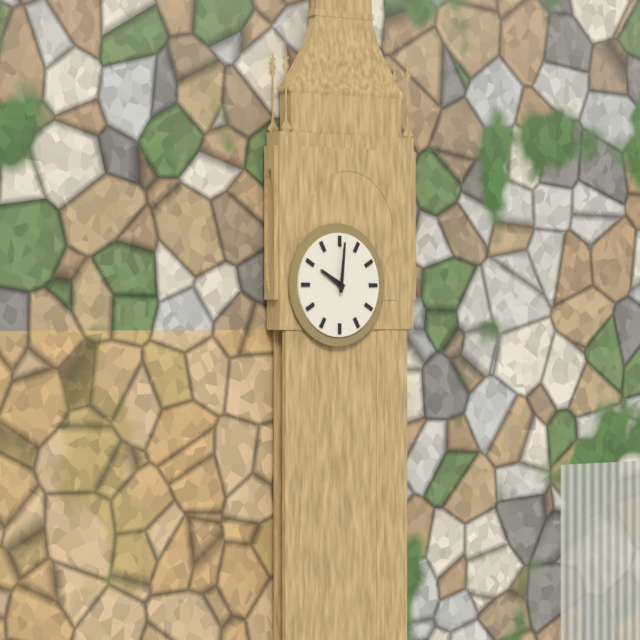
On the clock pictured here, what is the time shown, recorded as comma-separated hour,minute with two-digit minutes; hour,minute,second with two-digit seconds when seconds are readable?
10,01
